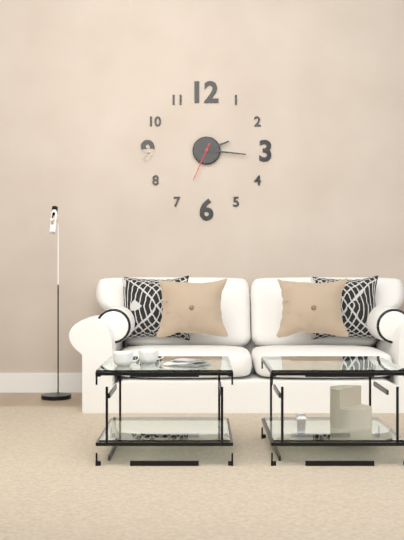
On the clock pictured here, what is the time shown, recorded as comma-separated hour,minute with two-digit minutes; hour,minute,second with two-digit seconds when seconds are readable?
2,16
